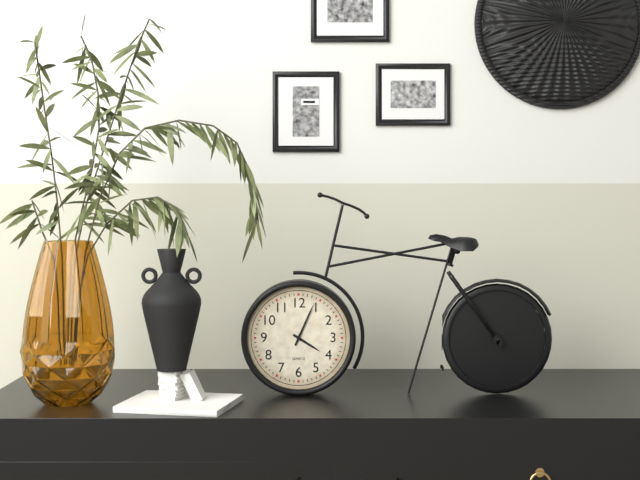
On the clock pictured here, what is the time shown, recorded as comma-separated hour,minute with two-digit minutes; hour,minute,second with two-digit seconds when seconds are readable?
4,04
